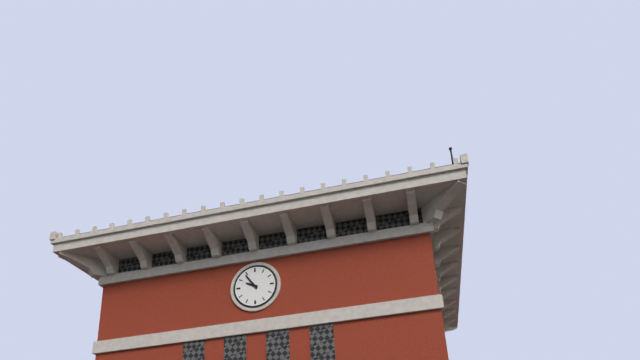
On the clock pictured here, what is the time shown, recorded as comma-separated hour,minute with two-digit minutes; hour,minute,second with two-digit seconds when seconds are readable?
9,54
